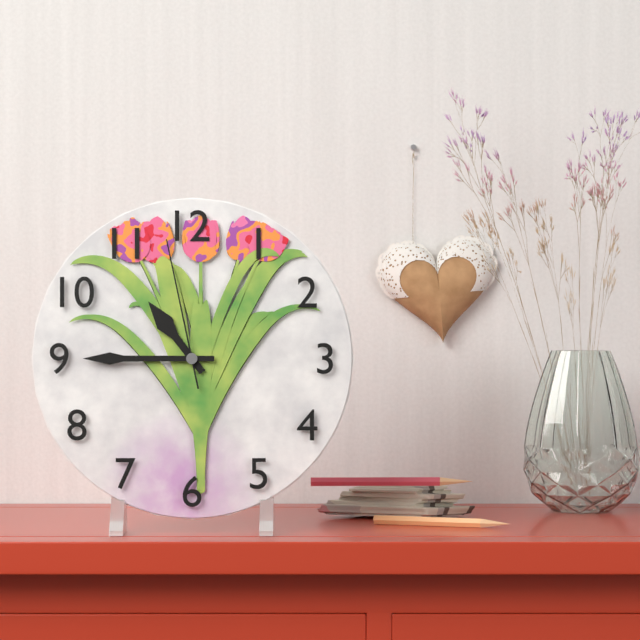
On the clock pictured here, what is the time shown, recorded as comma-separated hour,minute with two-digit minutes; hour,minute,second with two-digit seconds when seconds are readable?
10,45,58
